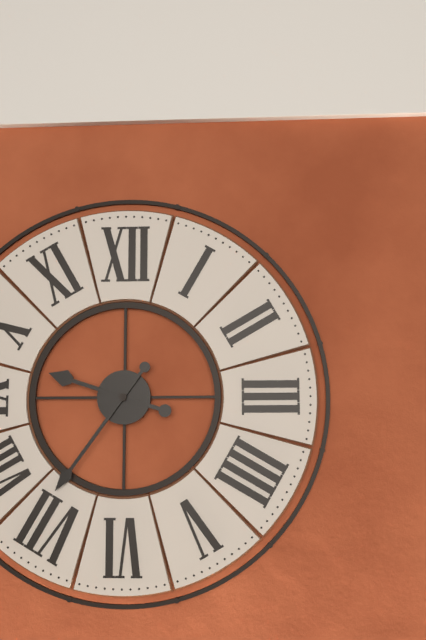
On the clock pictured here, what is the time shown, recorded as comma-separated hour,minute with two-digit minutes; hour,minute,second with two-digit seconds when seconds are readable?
9,36
